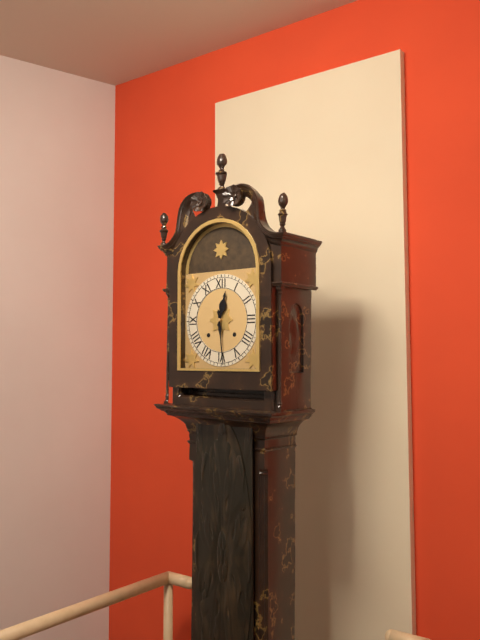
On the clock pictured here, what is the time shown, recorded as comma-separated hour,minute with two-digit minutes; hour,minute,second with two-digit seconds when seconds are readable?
12,29
